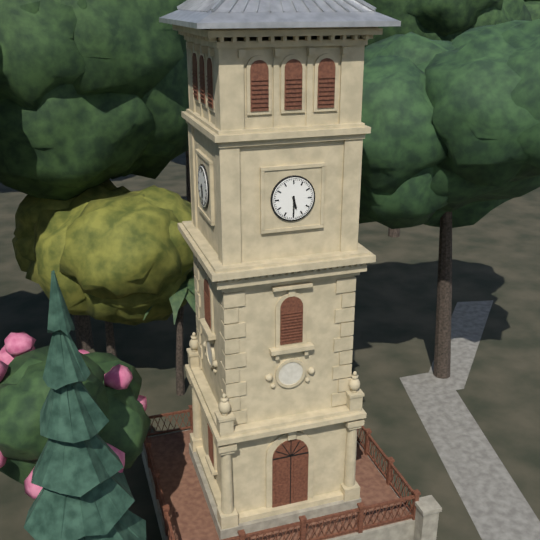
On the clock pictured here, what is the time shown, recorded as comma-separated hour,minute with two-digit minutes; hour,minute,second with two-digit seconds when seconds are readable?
5,30
